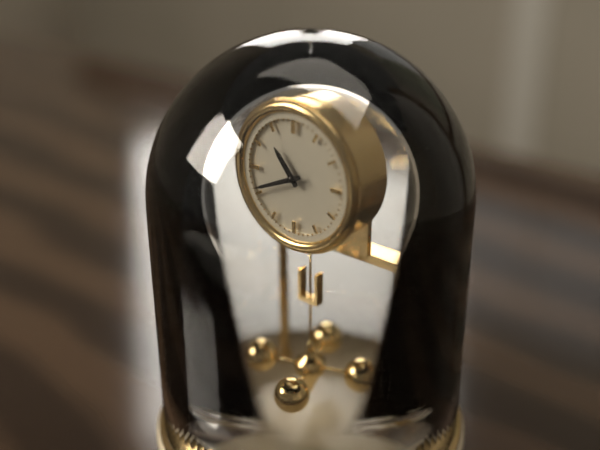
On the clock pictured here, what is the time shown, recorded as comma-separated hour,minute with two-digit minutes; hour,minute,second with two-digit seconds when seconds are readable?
10,41
